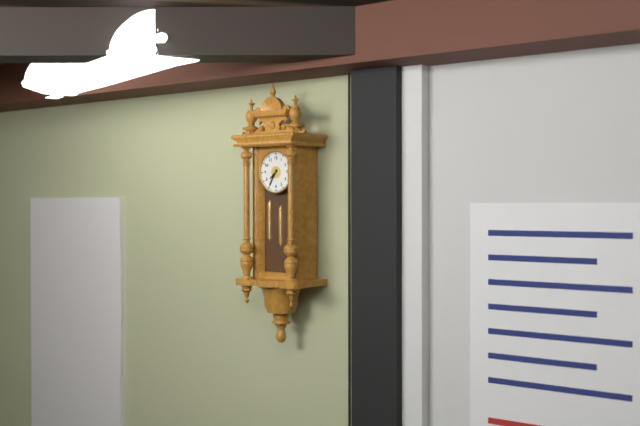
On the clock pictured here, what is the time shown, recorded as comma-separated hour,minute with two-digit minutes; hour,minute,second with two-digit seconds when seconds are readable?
7,35
